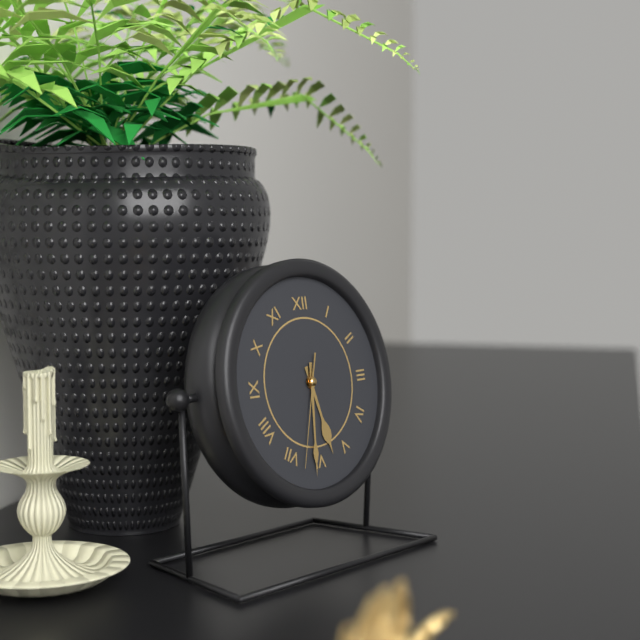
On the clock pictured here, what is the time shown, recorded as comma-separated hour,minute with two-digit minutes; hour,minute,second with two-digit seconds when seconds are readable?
5,31,33
